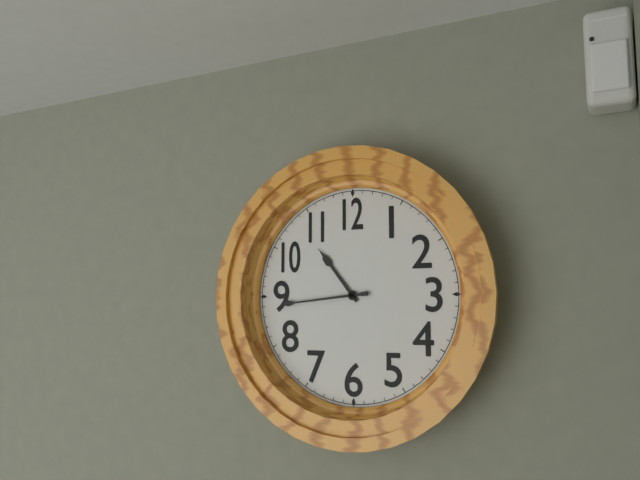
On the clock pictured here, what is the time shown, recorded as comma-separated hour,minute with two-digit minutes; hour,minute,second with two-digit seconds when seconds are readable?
10,44
